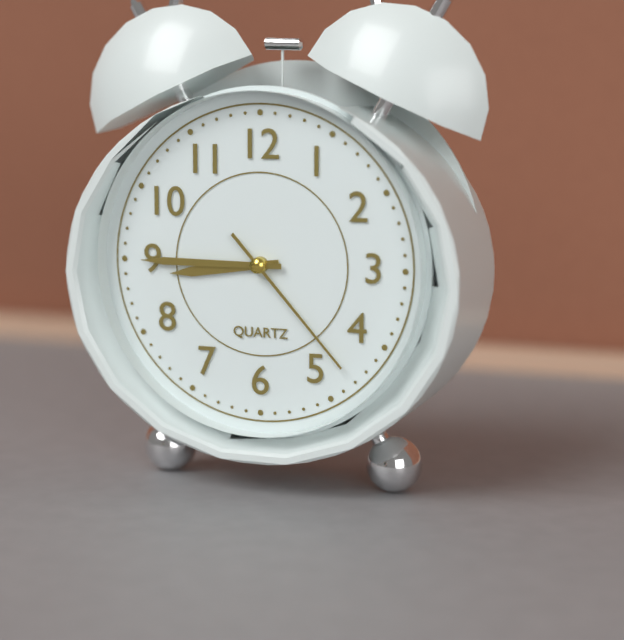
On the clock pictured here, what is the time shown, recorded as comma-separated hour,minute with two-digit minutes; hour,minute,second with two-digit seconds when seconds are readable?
8,45,23
